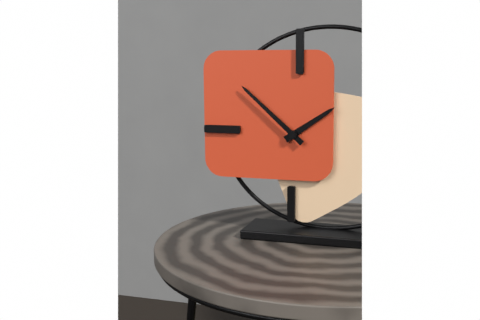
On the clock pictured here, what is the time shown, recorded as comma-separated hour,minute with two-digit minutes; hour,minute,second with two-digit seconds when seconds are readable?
1,52
